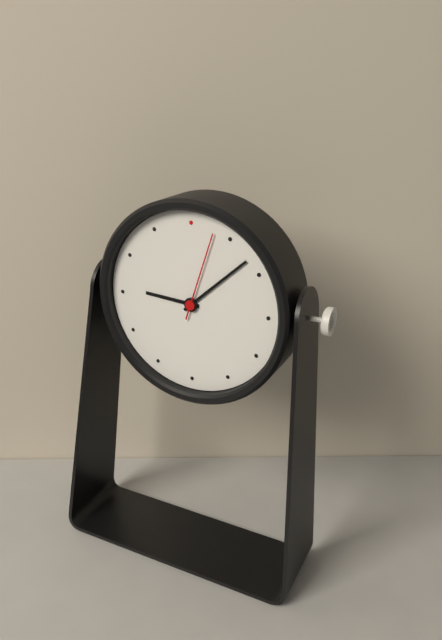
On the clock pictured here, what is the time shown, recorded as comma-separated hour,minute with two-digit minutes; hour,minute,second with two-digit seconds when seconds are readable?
9,08,03
